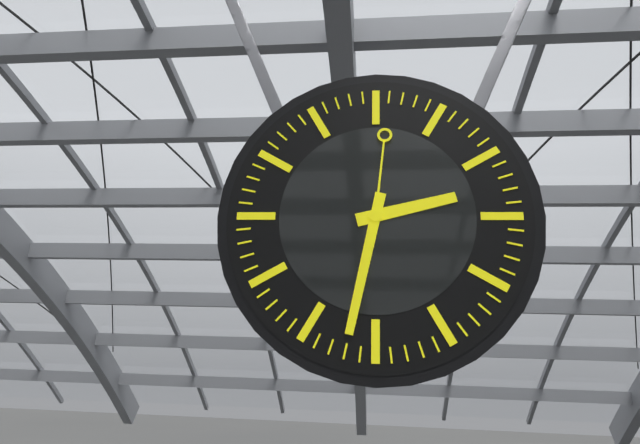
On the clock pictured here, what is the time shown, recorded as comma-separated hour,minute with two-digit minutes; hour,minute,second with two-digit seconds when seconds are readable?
2,32,01
